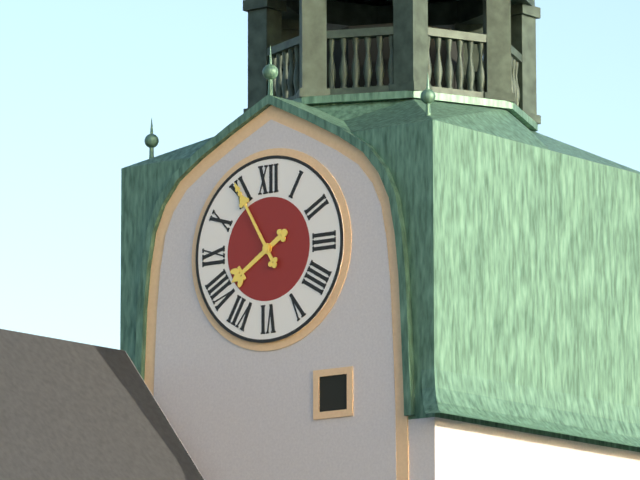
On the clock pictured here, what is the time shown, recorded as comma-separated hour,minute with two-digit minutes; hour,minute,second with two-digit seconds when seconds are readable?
7,55
